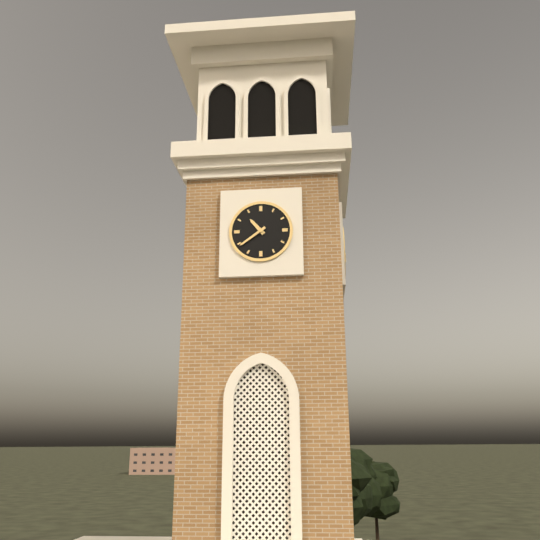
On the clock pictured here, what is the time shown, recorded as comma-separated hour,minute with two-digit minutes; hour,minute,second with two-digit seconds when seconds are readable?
10,39
